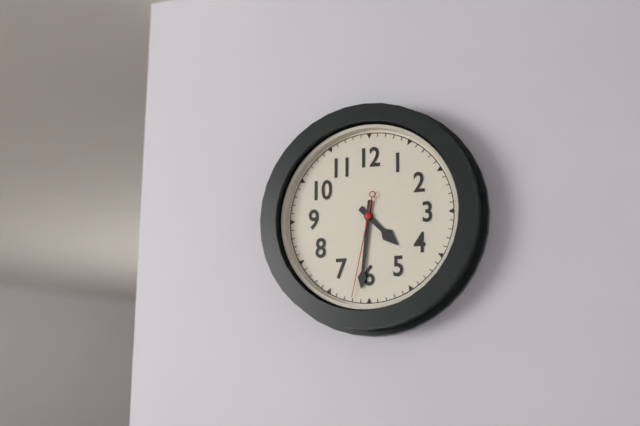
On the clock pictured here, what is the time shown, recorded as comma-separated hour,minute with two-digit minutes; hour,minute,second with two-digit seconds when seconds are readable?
4,31,32
